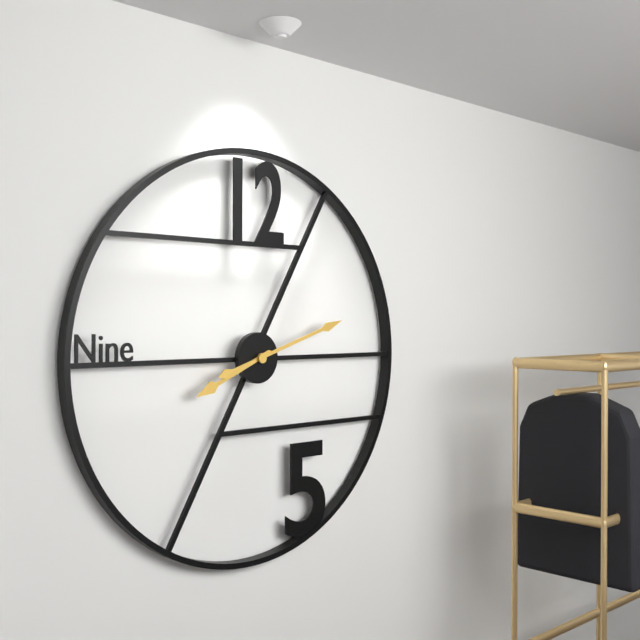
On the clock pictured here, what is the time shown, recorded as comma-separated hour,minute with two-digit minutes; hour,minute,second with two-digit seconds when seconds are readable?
8,12
